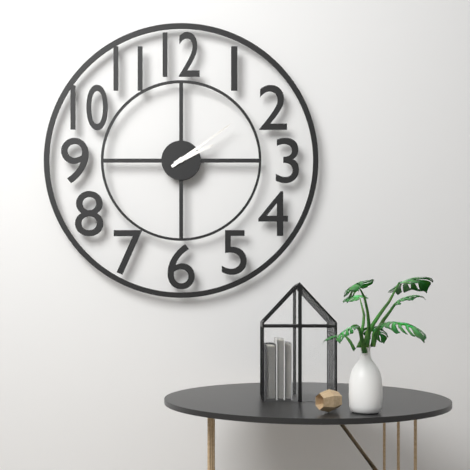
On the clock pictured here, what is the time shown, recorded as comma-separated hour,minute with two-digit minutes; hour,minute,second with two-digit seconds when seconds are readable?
2,09
